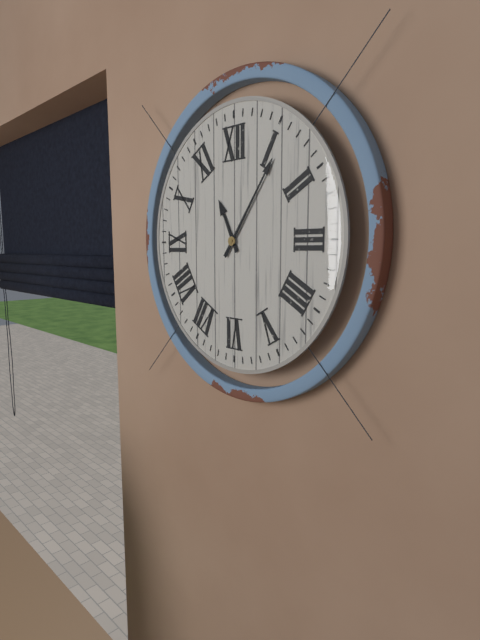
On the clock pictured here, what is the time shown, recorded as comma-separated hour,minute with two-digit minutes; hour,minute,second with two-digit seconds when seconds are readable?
11,06
